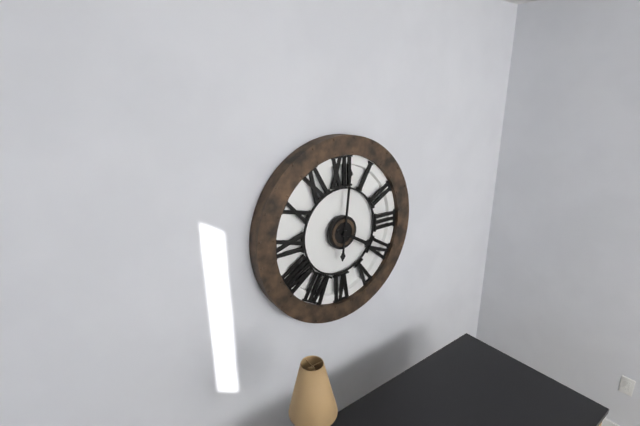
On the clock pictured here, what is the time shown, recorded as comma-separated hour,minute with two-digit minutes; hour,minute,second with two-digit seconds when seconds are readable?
4,01
